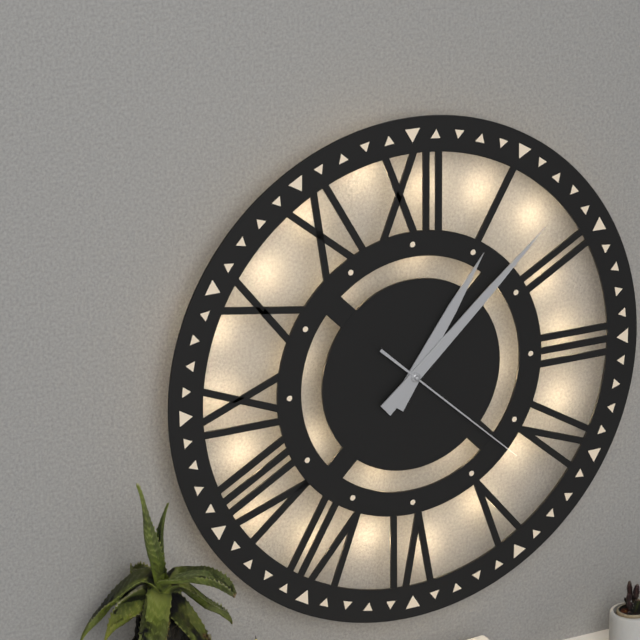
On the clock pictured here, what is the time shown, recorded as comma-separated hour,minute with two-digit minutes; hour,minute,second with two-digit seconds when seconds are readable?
1,08,22
